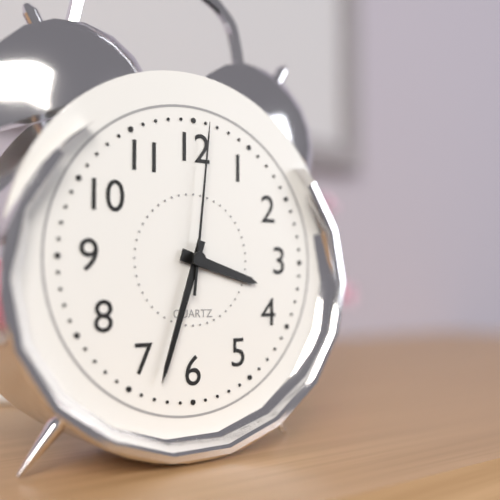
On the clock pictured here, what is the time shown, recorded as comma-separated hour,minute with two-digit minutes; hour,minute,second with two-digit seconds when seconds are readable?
3,33,01
